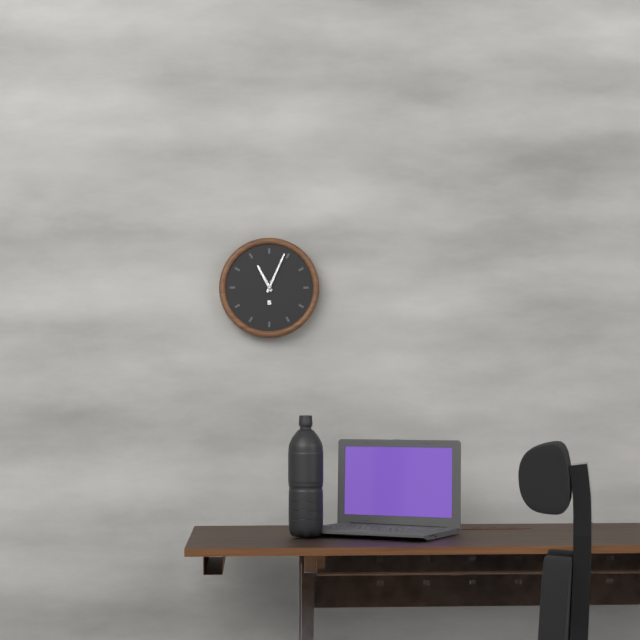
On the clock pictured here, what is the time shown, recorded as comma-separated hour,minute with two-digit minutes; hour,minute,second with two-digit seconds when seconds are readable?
11,04
